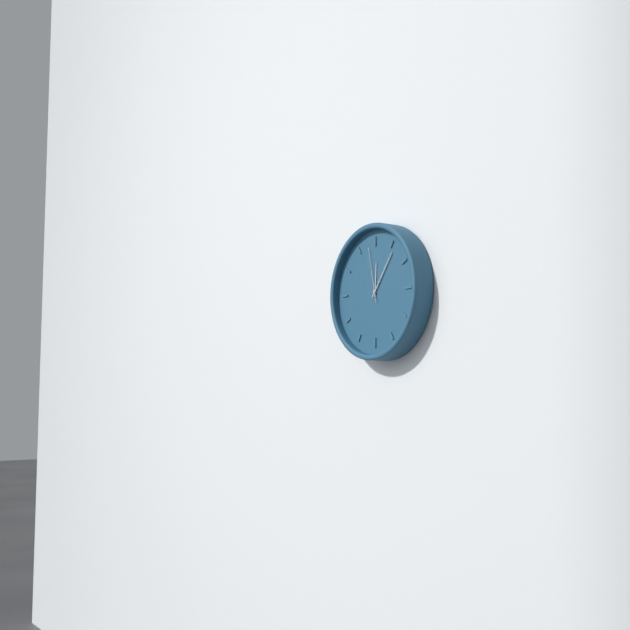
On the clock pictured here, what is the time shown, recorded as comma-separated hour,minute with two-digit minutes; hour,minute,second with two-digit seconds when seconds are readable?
12,06,58
